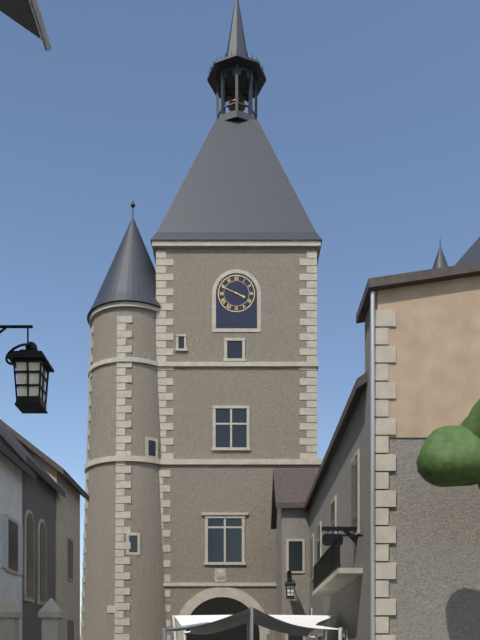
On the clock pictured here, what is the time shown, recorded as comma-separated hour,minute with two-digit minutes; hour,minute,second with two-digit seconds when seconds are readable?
3,49
